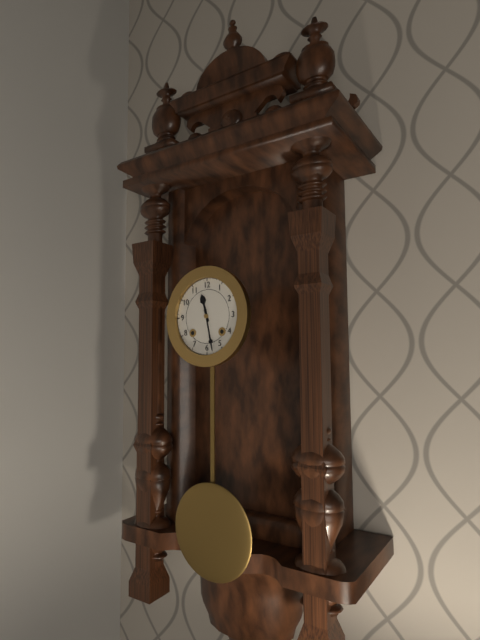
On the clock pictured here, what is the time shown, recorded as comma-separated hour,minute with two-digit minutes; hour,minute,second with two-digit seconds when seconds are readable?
11,28
